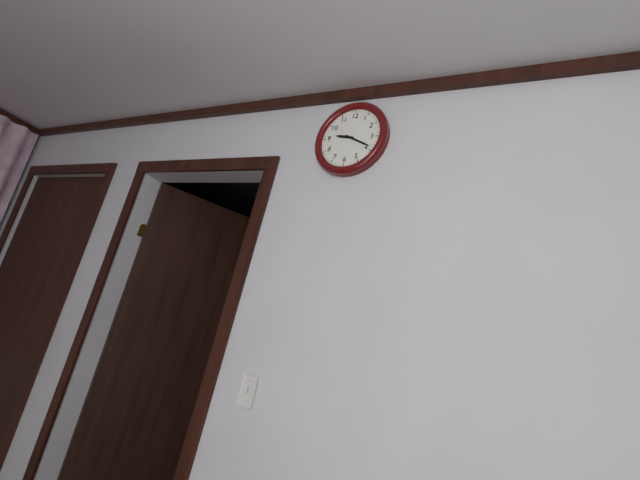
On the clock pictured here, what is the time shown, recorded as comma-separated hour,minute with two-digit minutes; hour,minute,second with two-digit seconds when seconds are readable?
9,19
